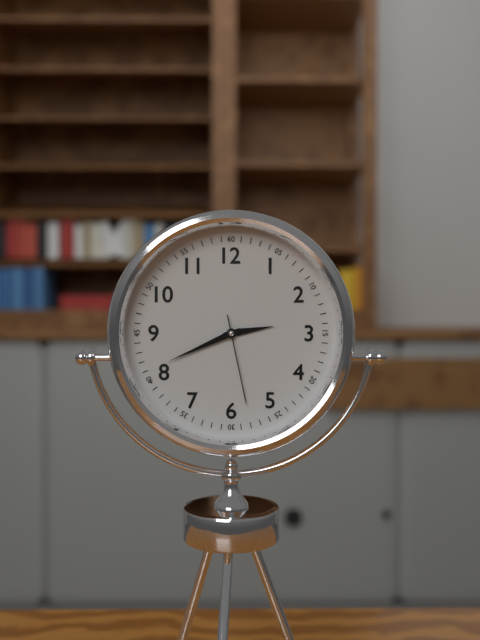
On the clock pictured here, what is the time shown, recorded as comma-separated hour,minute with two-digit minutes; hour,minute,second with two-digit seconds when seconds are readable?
2,41,28
